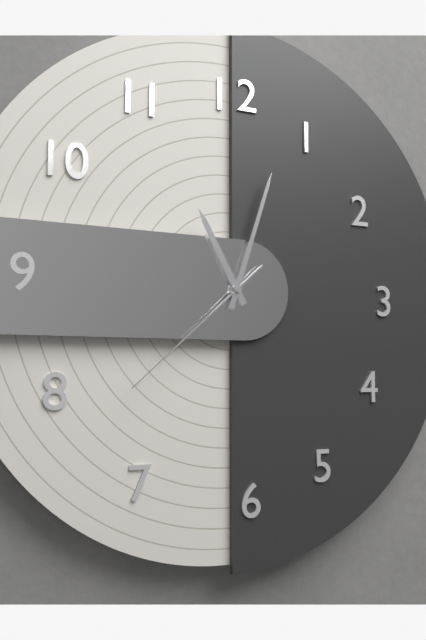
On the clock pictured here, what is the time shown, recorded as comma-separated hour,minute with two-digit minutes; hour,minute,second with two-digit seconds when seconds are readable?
11,03,38
